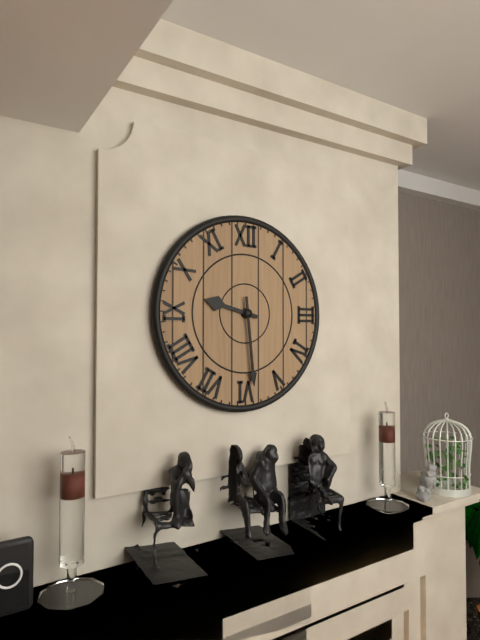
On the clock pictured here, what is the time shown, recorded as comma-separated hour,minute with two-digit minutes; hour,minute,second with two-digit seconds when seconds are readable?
9,29
